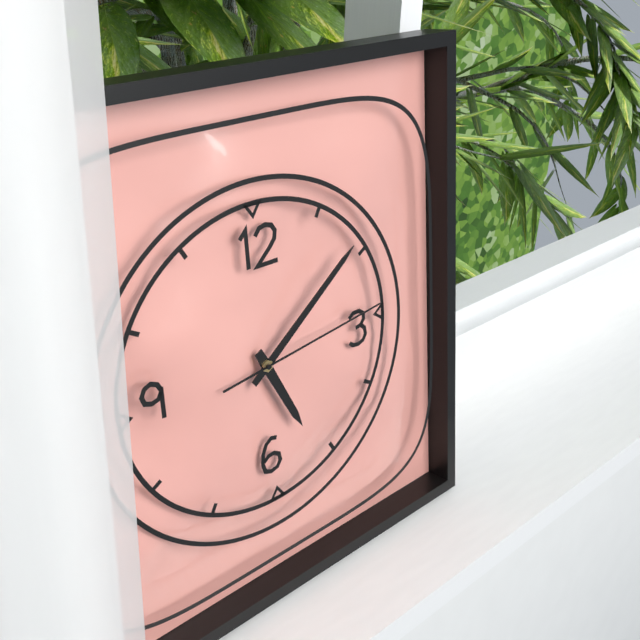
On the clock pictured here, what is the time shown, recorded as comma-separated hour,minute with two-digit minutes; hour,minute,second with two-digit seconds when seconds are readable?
5,09,14
